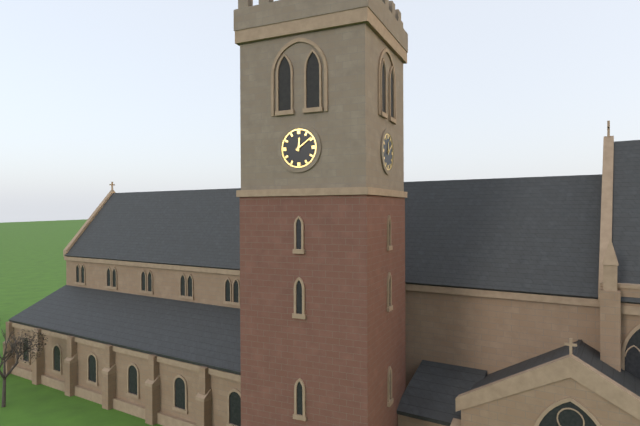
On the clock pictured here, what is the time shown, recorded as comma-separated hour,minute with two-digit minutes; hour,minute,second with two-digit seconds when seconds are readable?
12,09
